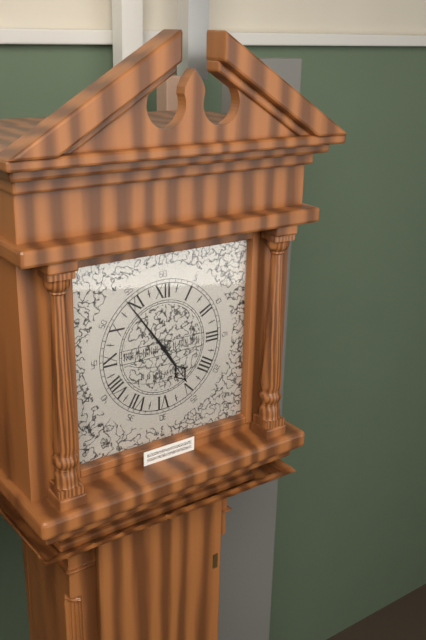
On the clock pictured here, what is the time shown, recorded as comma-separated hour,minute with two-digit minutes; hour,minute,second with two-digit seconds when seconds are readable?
4,54
